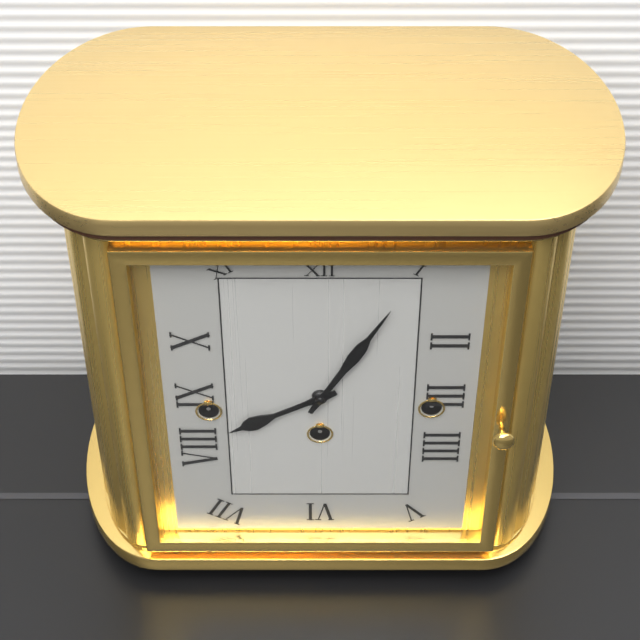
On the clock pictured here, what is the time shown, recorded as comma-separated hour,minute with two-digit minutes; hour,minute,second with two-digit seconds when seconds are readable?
8,05
